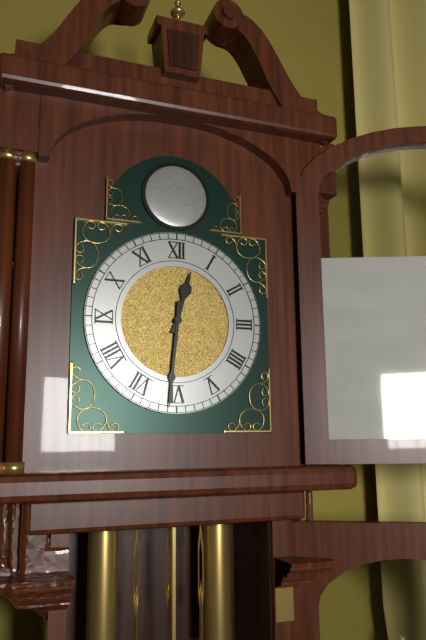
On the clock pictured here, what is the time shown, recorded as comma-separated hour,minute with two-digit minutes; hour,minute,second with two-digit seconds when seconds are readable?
12,31
